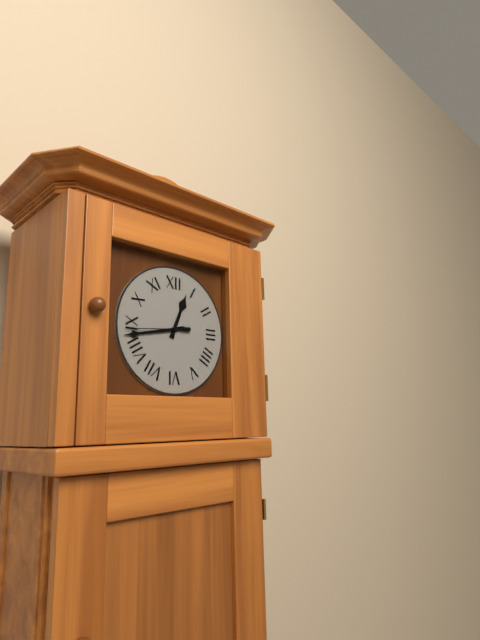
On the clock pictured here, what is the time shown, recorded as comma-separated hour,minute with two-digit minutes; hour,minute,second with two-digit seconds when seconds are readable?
12,43,44
